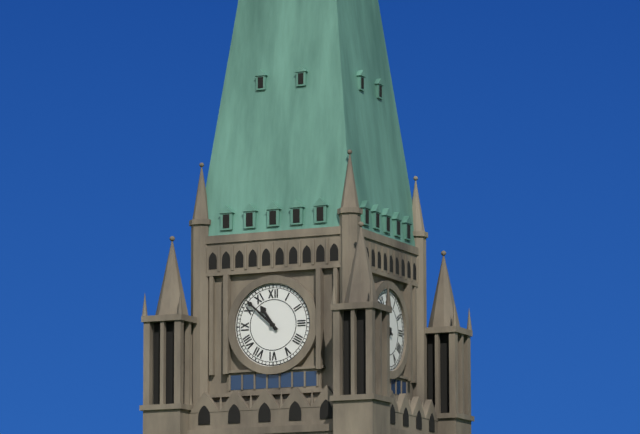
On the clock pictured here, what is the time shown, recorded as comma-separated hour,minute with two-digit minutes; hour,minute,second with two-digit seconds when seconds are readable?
10,52
